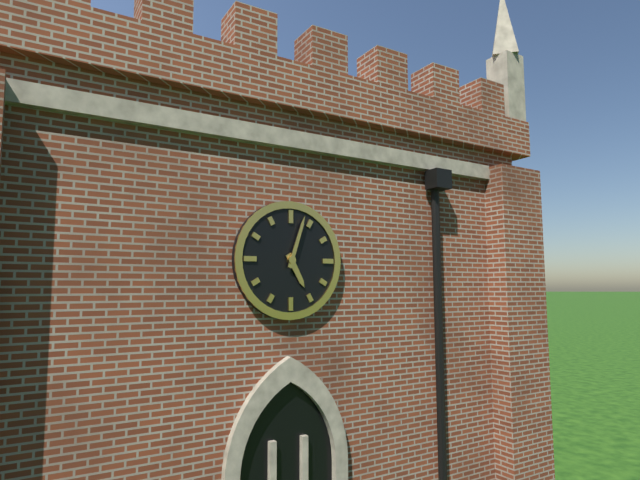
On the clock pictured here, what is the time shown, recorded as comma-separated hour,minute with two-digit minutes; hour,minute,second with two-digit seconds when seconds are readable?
5,03
